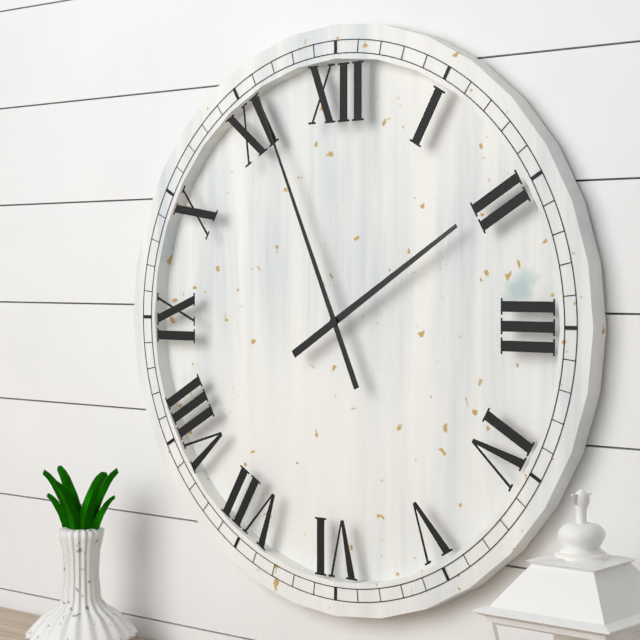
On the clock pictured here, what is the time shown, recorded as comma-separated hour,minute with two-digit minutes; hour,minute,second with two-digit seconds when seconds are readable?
1,56
